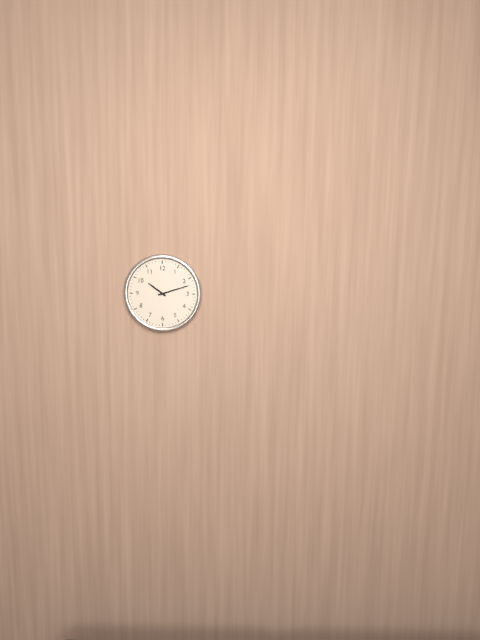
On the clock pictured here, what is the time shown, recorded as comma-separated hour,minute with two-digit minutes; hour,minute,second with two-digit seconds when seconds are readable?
10,12
